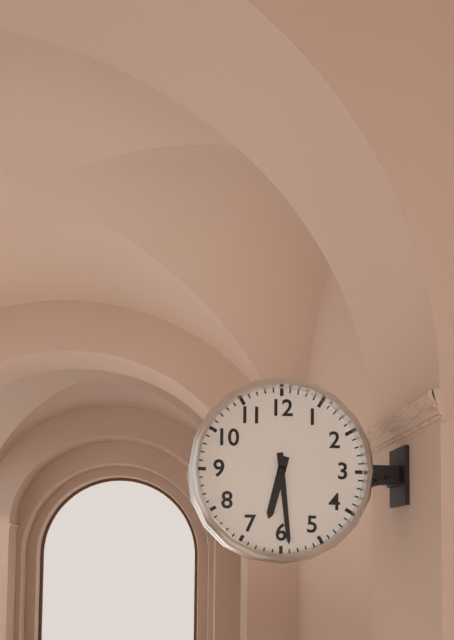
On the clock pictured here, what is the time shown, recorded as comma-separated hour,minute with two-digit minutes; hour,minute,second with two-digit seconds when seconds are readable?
6,29
